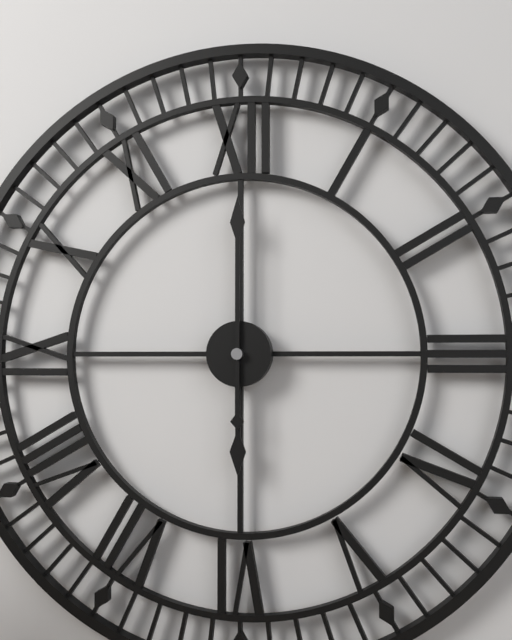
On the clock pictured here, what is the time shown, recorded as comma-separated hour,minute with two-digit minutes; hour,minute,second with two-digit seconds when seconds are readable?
6,00
